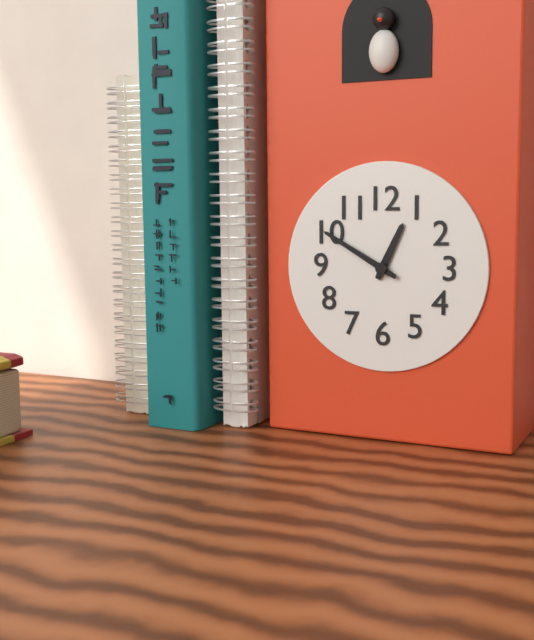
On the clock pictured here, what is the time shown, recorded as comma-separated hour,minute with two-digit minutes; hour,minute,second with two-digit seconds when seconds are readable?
12,50
